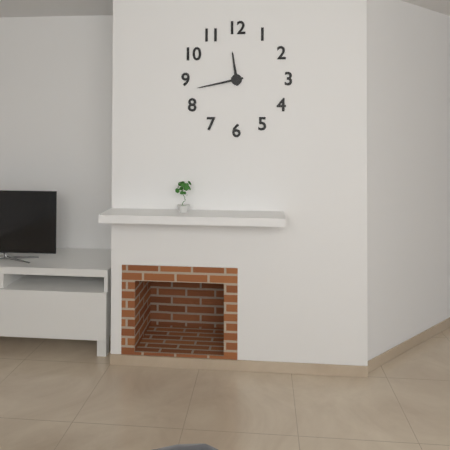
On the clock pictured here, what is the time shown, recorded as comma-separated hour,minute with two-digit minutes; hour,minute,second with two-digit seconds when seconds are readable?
11,43
